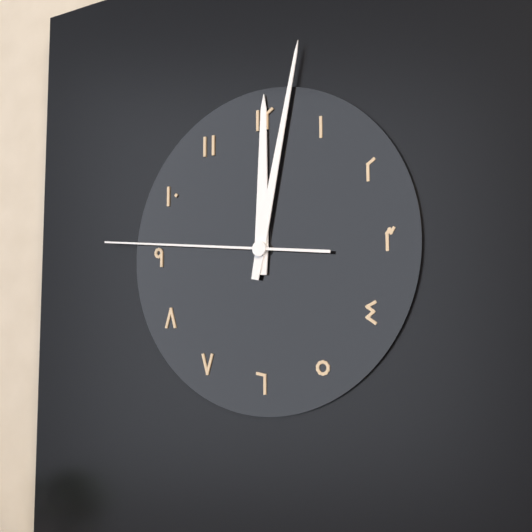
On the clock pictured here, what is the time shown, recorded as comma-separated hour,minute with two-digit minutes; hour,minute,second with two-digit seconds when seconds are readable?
12,02,46
